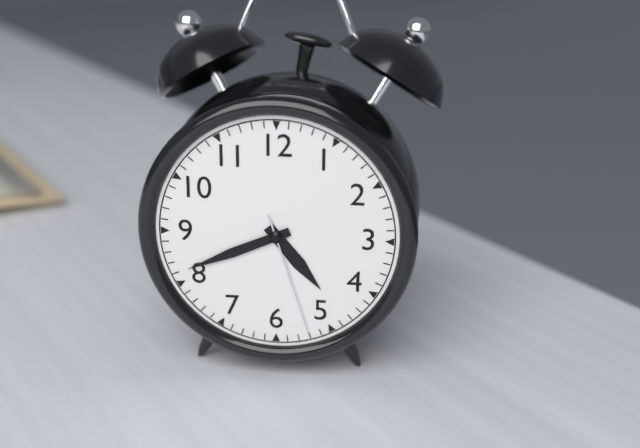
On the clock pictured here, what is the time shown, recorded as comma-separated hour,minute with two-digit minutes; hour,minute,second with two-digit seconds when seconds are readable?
4,41,27
